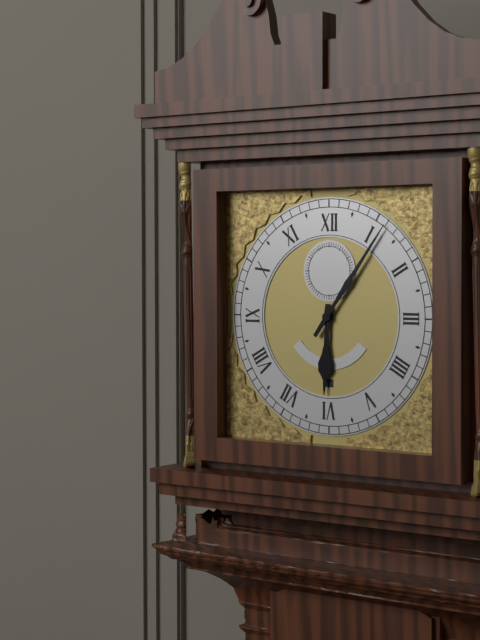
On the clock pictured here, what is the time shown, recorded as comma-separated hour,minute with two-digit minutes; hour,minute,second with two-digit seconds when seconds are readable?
6,06
